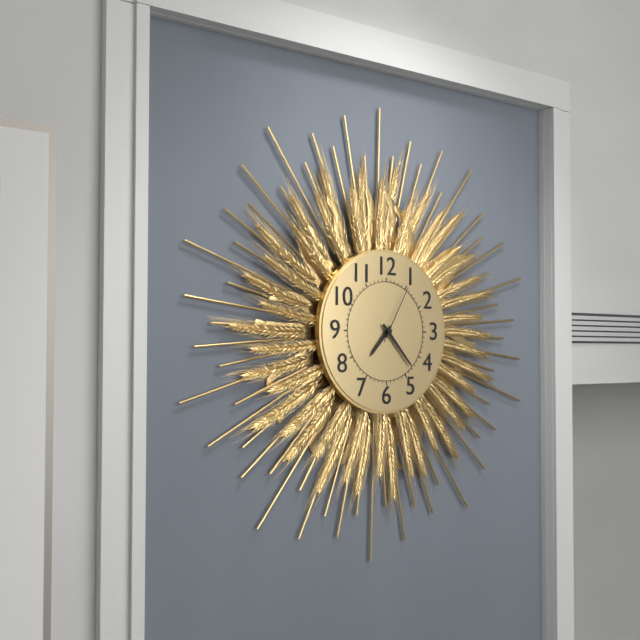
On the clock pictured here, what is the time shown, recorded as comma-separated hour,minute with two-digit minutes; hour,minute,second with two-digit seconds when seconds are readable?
7,23,05
